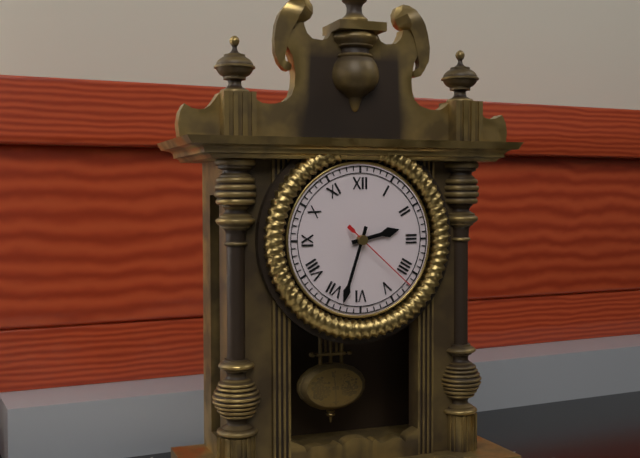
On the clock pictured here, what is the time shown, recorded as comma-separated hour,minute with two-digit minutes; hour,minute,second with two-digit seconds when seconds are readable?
2,33,22
